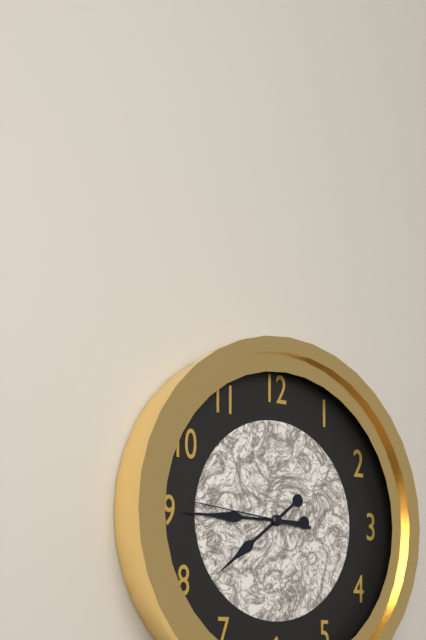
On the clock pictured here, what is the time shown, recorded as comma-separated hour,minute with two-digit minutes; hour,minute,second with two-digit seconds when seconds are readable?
7,45,46
